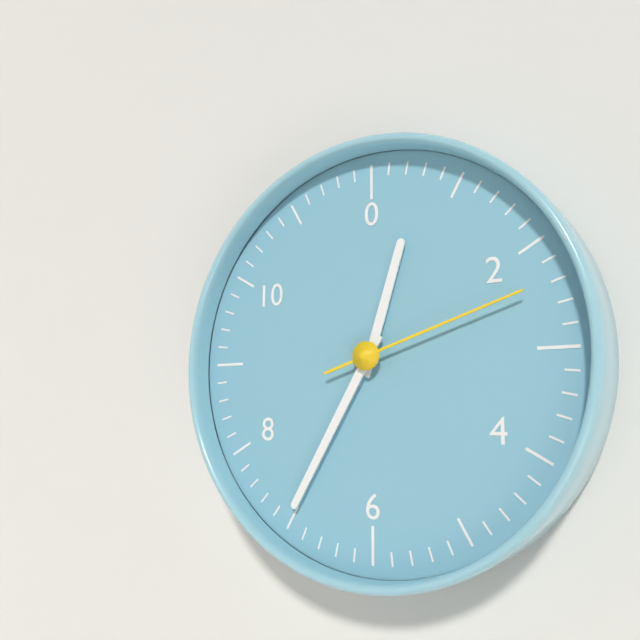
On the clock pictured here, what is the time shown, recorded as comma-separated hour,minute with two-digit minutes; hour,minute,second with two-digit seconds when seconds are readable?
12,35,12
